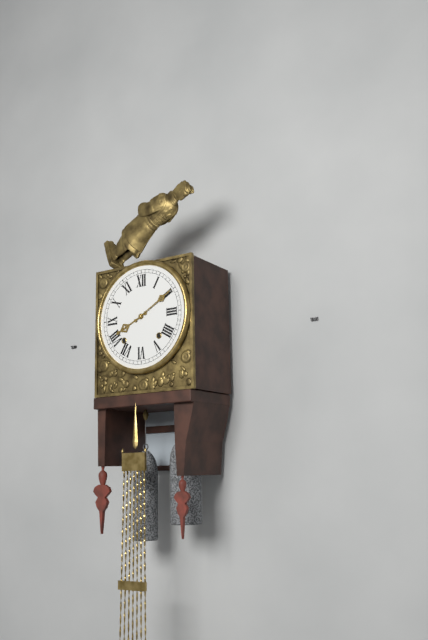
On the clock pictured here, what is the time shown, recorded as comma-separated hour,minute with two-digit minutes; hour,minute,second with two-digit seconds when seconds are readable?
8,10
